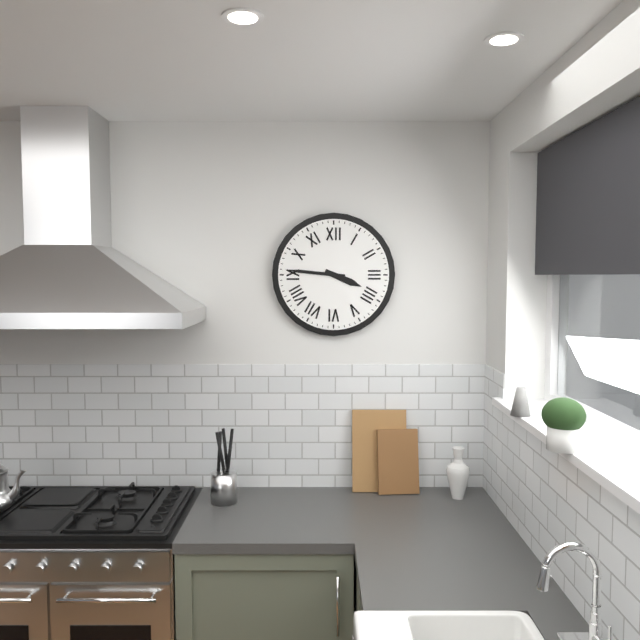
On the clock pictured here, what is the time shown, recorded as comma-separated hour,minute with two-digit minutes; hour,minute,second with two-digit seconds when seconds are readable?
3,46
